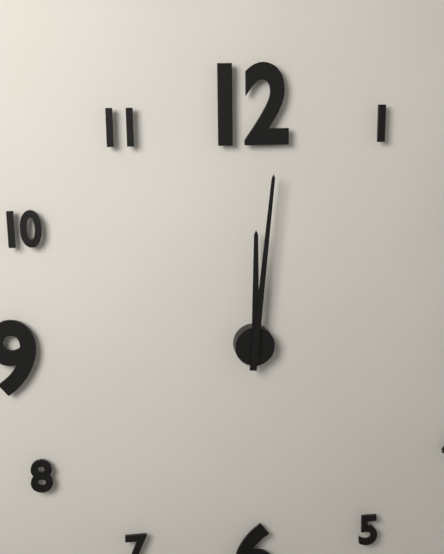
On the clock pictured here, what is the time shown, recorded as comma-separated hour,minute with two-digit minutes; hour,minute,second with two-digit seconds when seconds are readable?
12,01
